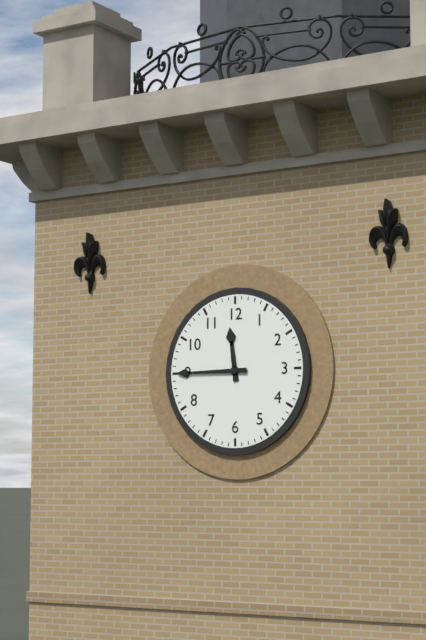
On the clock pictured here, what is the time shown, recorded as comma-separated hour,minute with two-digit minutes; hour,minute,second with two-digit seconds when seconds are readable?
11,45
